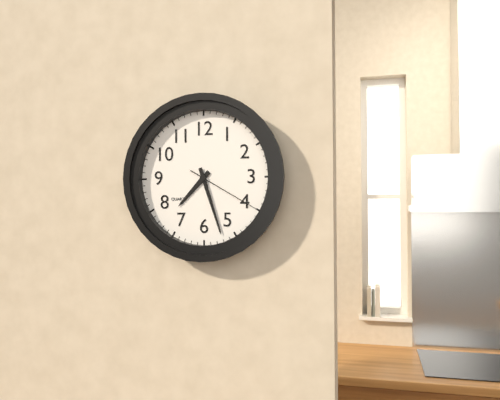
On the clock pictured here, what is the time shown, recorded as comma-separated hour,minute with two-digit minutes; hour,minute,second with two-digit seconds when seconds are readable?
7,27,20
